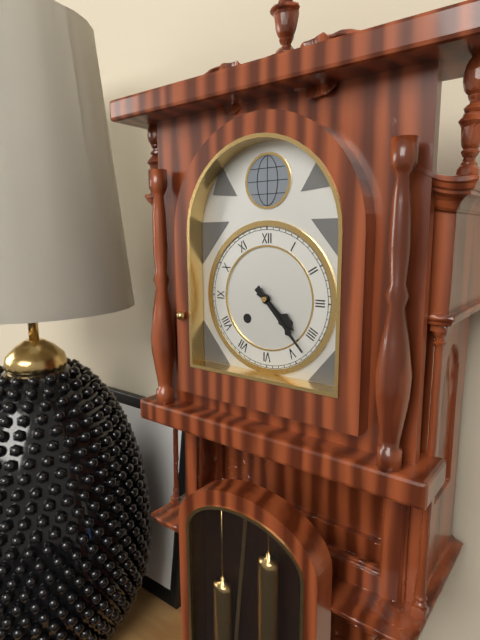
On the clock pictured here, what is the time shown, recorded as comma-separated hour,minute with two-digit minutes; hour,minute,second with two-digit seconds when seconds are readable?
4,23
